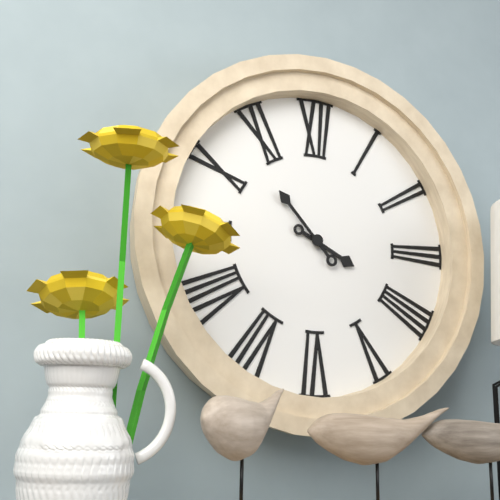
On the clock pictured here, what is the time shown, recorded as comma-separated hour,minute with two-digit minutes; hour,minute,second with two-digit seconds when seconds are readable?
3,53
